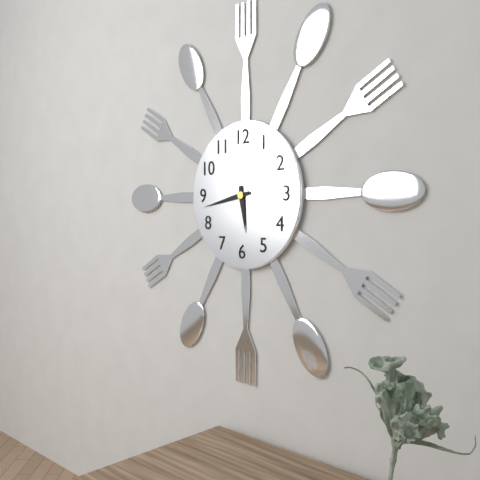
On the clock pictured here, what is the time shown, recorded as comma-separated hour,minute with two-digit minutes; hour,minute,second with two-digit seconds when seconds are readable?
5,43
